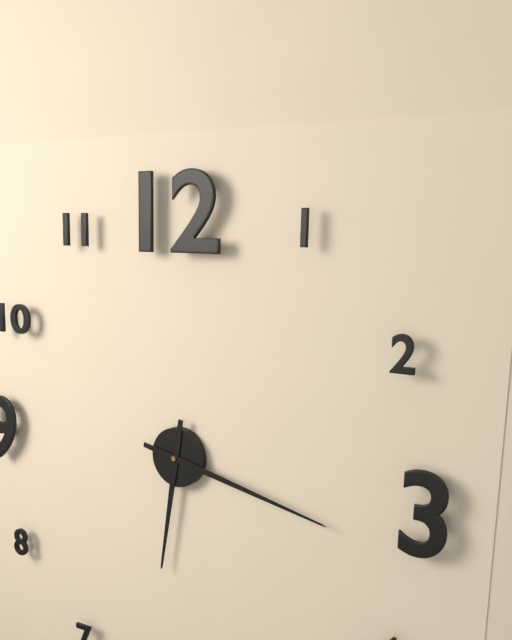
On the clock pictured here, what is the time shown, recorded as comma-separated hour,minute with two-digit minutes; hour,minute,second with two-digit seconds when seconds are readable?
6,17
